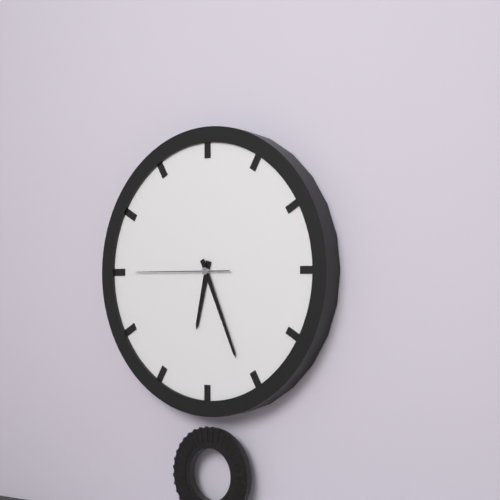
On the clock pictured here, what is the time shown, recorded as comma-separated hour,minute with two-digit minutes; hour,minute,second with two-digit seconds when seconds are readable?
6,26,45
